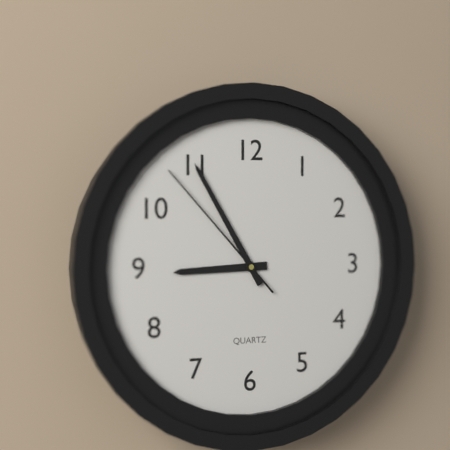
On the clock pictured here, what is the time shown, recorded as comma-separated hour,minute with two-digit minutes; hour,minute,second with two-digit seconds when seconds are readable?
8,55,53
